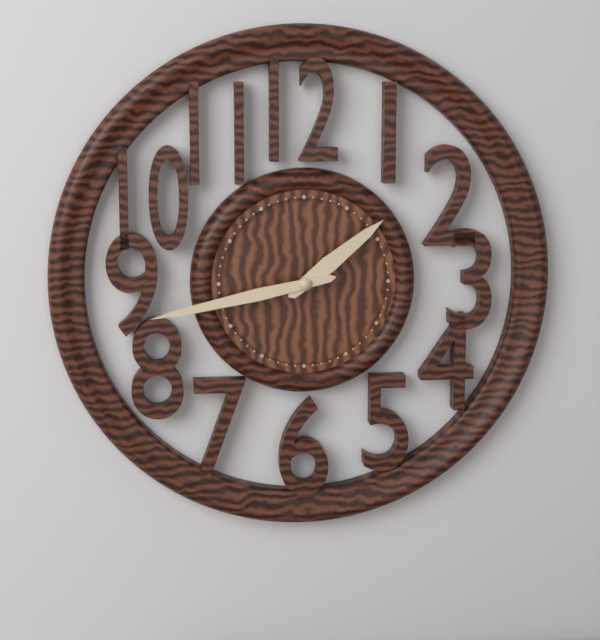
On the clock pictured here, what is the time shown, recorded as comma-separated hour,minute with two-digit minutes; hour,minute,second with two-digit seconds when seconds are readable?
1,43
